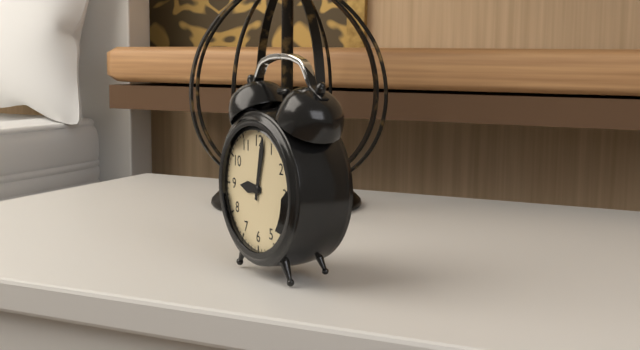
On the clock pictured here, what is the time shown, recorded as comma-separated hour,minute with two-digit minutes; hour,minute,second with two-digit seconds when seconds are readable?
9,02
